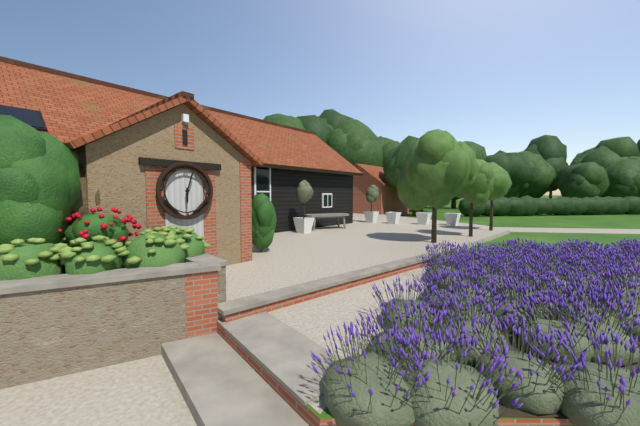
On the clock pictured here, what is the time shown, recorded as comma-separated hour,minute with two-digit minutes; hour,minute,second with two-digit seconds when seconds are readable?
6,03
